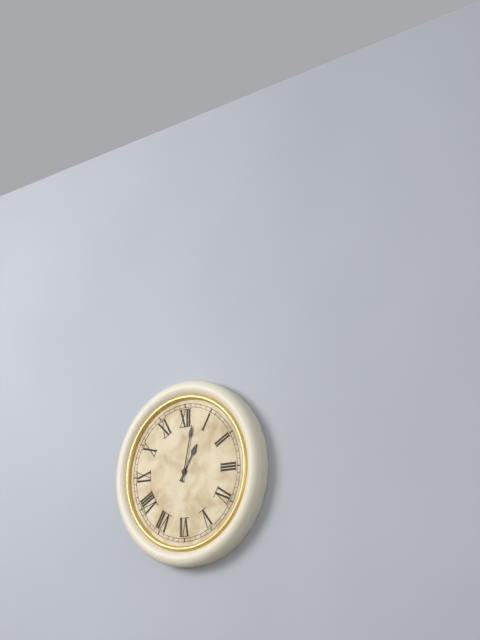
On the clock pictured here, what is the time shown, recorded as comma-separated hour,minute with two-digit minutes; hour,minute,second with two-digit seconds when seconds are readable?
1,02
